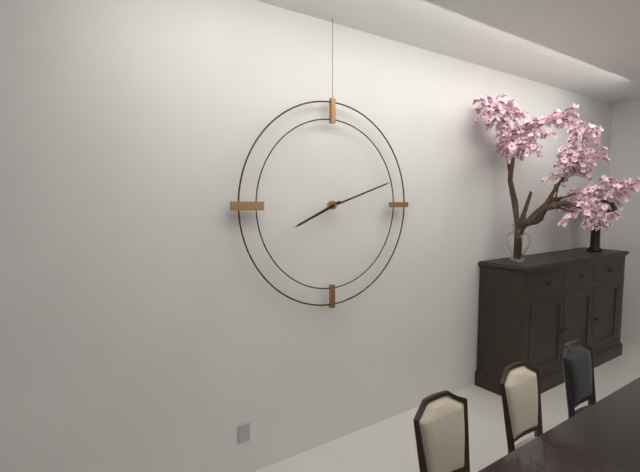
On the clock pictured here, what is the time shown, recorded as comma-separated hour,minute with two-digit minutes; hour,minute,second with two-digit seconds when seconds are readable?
8,12
